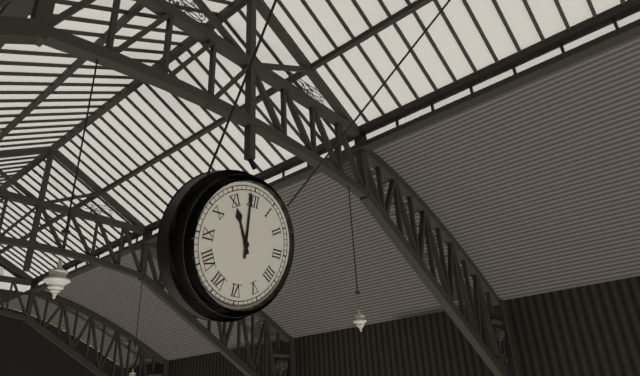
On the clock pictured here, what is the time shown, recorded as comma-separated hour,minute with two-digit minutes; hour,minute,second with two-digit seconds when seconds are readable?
10,59
